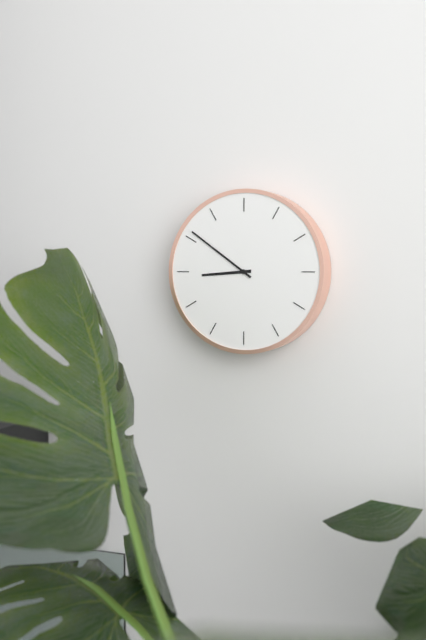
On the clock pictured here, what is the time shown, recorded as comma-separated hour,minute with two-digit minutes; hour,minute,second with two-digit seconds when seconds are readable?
8,51
